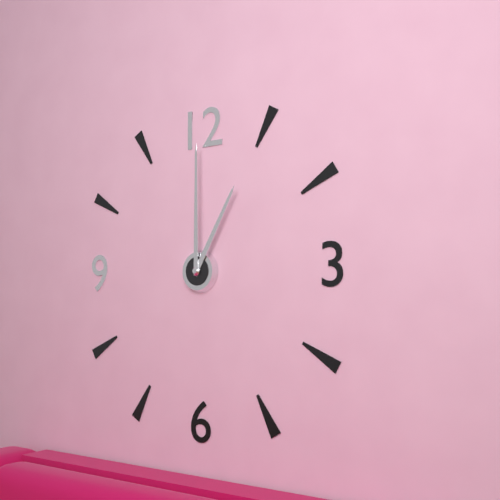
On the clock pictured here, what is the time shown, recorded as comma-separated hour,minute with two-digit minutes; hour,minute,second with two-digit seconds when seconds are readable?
1,00
